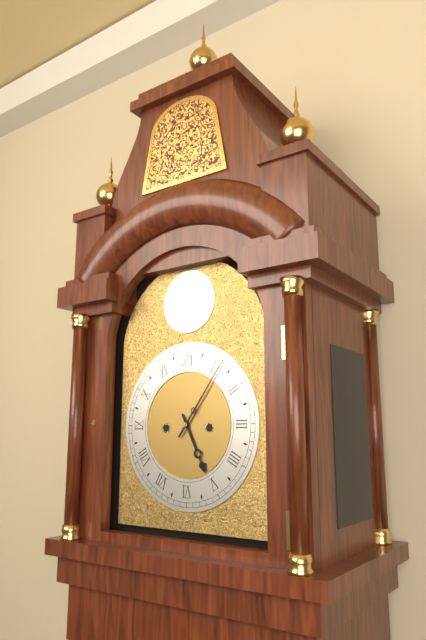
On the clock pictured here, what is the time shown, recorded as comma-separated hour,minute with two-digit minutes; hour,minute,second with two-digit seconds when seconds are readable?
5,06
